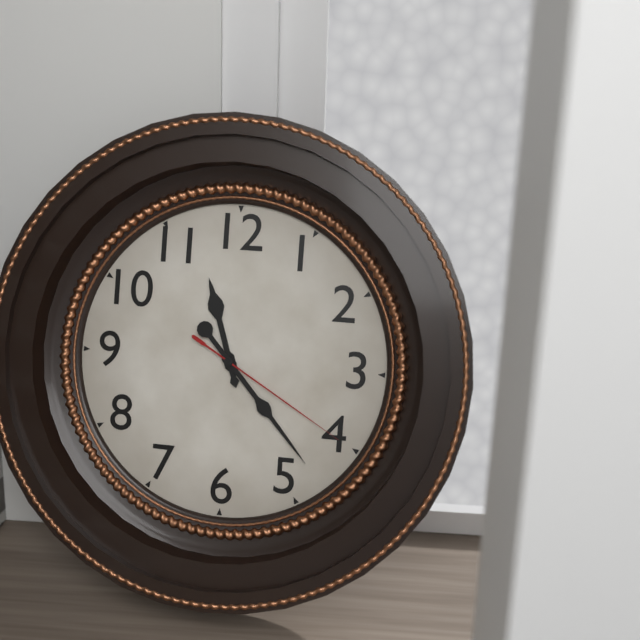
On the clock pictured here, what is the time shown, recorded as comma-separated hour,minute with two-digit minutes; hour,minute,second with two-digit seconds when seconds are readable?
11,23,20
